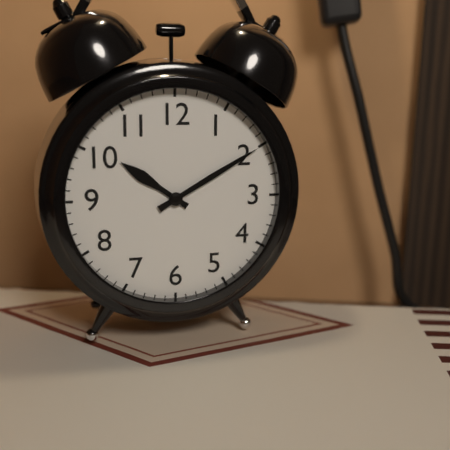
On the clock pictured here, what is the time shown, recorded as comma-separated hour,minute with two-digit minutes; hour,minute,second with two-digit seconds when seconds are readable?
10,10
